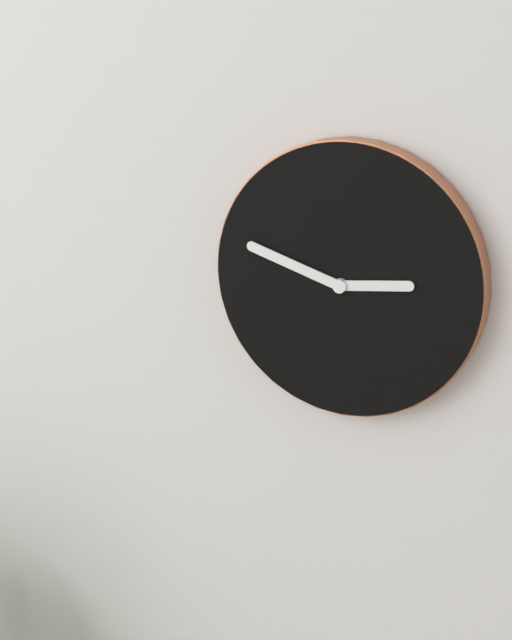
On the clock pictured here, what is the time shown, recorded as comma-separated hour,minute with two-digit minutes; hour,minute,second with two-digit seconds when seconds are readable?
2,48
